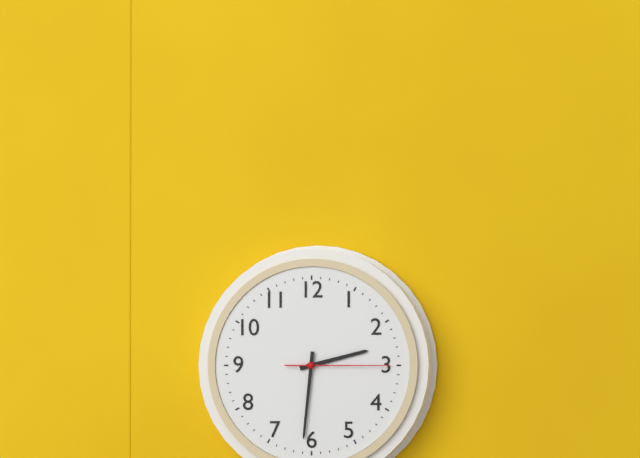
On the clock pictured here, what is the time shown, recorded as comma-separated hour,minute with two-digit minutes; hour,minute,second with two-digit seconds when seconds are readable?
2,31,15
